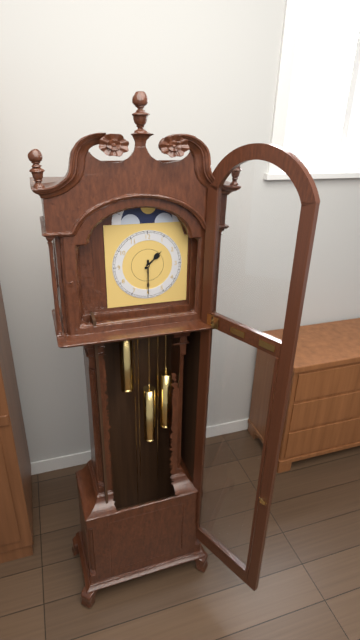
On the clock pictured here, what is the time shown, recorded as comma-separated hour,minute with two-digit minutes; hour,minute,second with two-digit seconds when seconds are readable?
1,30
